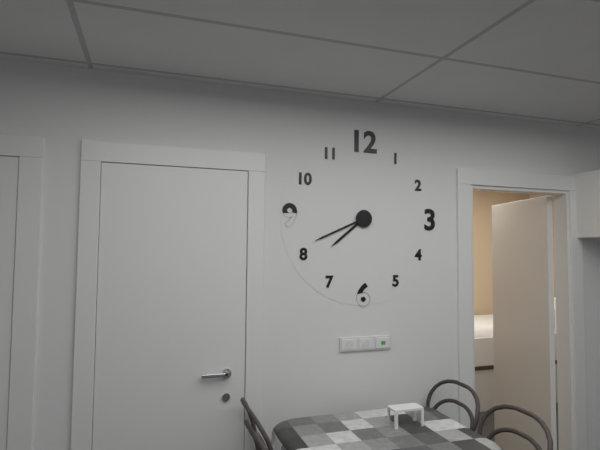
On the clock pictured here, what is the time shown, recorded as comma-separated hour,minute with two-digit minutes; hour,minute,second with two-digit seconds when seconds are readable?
7,41
